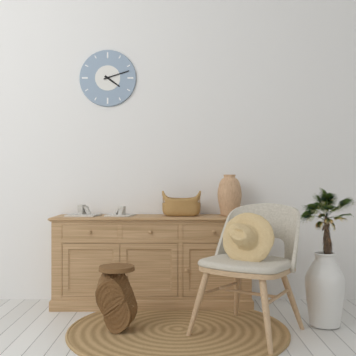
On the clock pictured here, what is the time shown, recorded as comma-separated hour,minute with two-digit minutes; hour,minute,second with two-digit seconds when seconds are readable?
4,12
